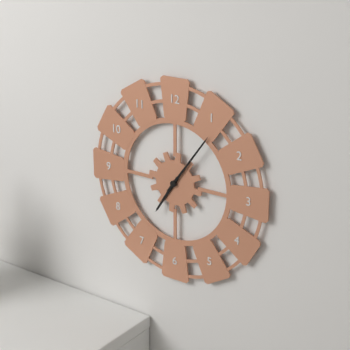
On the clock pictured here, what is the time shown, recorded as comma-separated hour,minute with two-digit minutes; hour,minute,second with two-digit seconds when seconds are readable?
7,06
